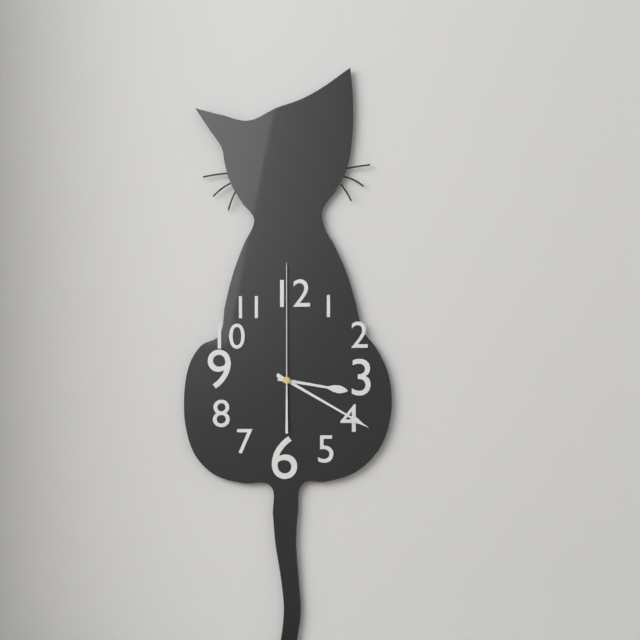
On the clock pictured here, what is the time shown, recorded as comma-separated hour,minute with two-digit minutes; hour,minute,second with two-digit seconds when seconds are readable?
3,20,00
